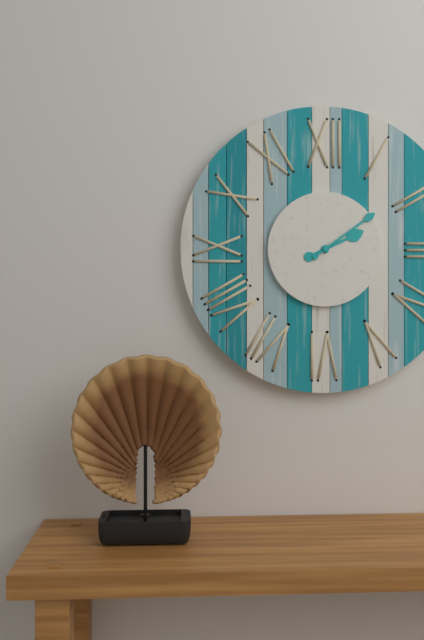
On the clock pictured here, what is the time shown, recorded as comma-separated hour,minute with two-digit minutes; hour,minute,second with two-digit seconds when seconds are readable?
2,09
